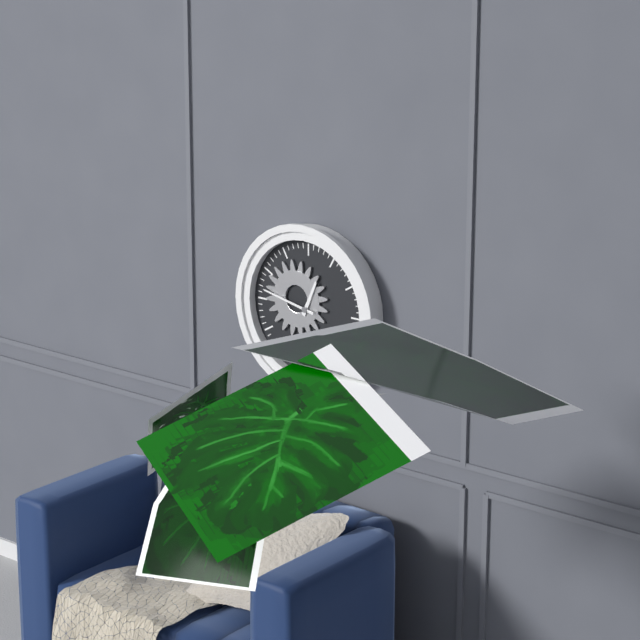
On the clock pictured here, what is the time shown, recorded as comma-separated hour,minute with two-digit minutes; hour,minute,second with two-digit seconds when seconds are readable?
12,47
